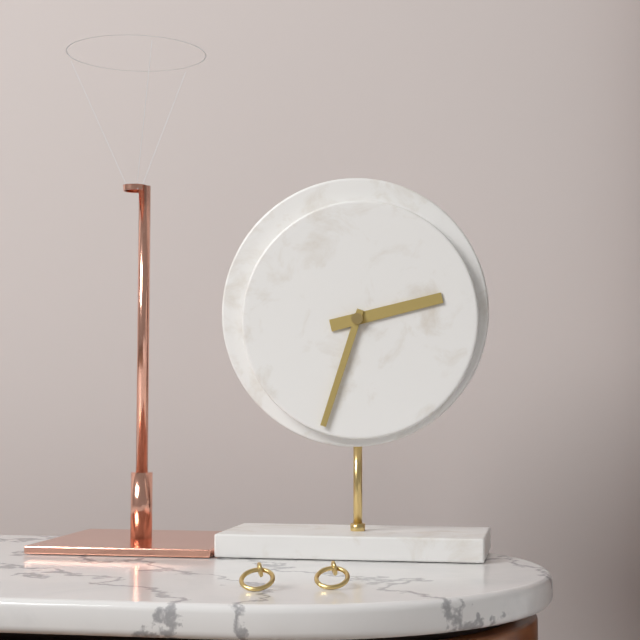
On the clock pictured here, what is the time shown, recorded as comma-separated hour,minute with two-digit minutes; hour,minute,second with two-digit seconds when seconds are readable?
2,33
